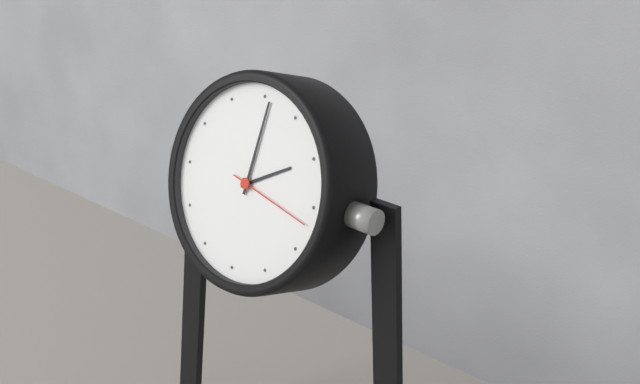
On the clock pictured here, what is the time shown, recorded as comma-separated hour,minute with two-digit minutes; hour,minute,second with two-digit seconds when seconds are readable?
2,01,17
